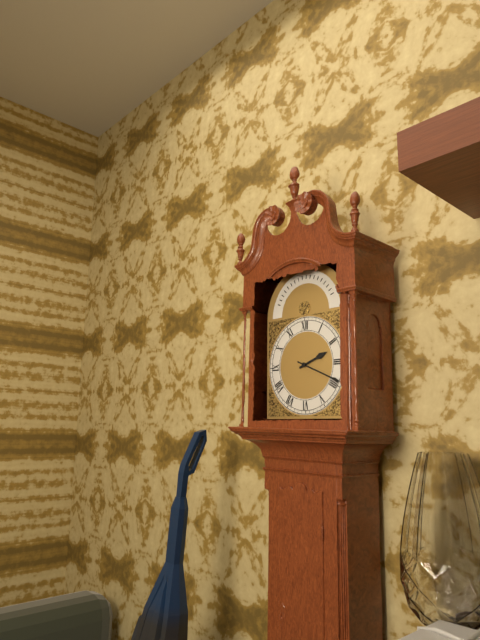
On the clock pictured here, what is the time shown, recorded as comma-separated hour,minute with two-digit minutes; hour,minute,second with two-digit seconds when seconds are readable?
2,19
